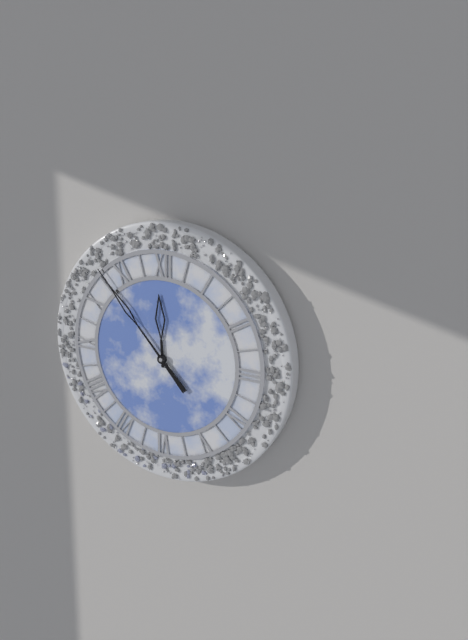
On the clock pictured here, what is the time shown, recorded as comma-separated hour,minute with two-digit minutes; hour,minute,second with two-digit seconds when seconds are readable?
11,53
